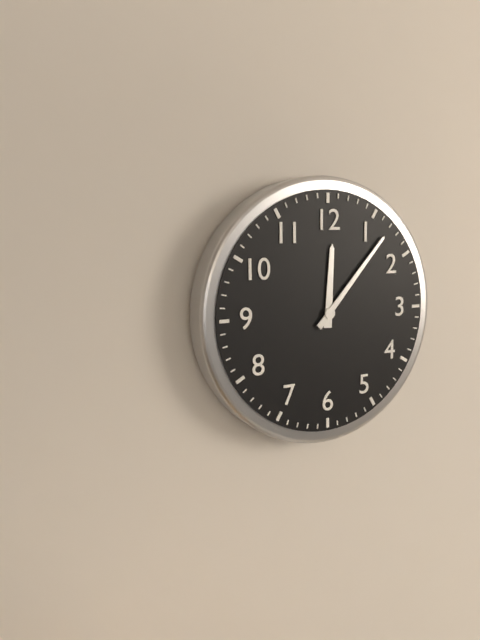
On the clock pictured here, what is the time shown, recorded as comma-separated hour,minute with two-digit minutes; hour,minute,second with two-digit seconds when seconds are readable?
12,07
